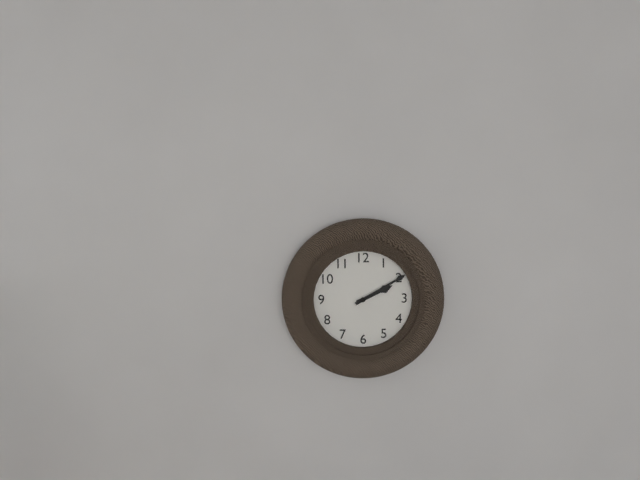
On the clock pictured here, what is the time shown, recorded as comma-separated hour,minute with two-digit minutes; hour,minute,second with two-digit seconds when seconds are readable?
2,10
